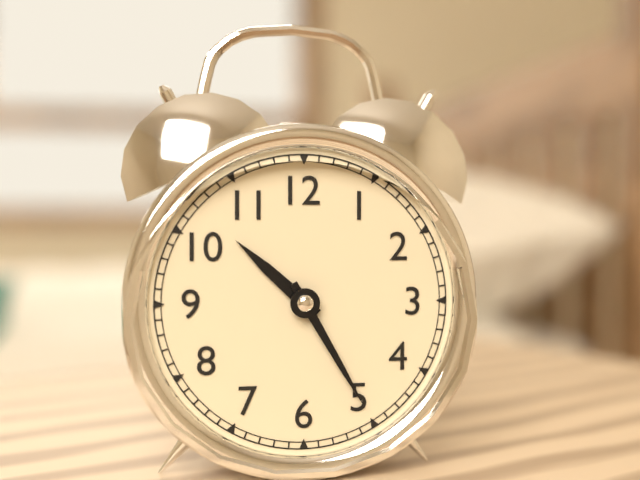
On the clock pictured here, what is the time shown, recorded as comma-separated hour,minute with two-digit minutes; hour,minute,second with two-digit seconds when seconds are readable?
10,25
